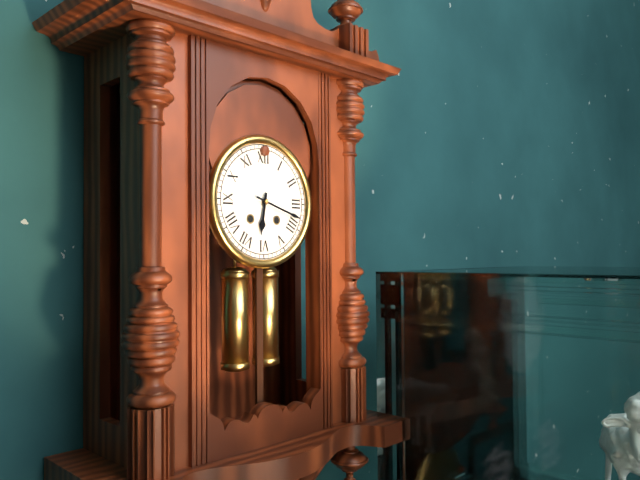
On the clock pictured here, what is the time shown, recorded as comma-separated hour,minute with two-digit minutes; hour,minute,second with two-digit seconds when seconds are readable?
6,18
